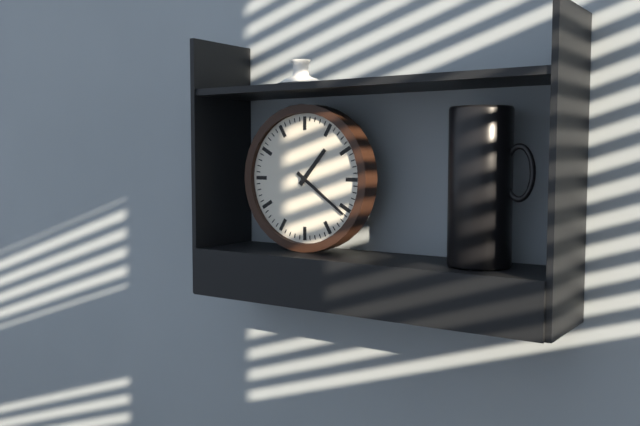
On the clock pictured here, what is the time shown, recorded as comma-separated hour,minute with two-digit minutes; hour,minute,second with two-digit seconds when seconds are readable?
1,21
